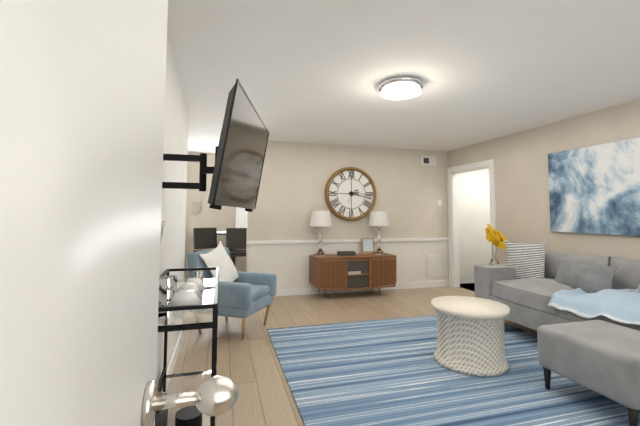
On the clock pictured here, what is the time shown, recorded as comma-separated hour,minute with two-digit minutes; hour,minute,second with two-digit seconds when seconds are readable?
2,17
